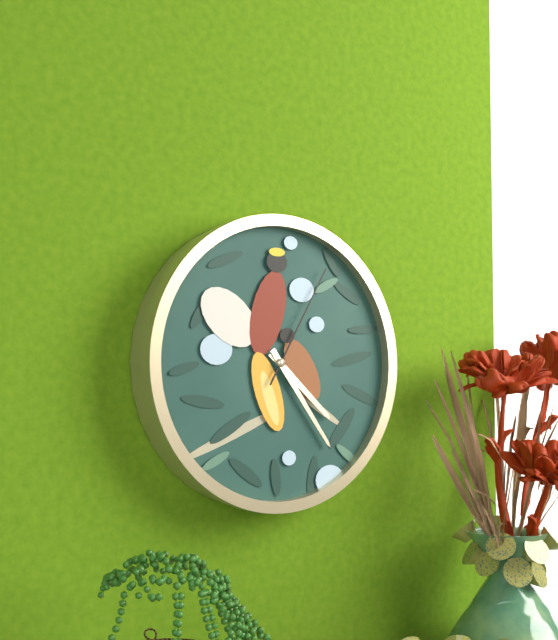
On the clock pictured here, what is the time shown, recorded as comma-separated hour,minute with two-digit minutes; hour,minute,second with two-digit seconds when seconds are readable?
4,24,05
